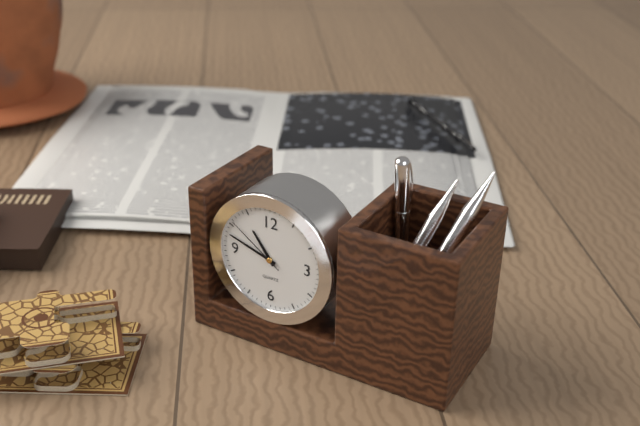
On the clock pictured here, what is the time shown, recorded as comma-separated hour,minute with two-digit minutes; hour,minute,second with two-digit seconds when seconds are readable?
10,48,51
